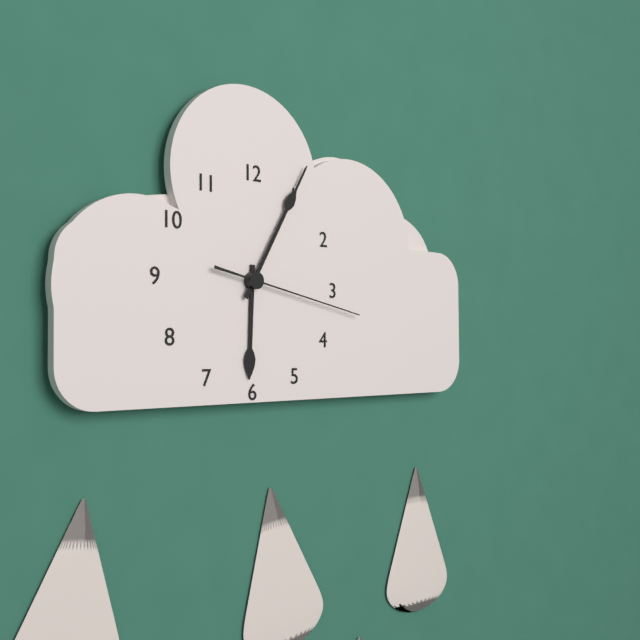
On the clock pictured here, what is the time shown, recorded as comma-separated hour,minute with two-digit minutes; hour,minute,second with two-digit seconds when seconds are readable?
6,05,17
